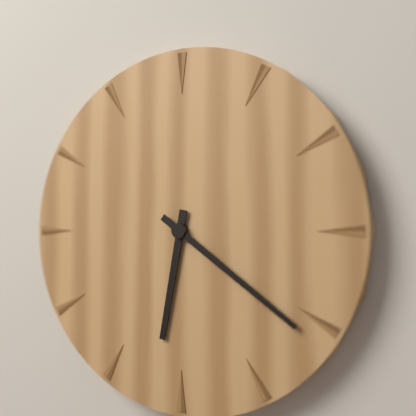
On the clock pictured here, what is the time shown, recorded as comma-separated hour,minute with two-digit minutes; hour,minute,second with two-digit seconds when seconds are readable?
6,21
